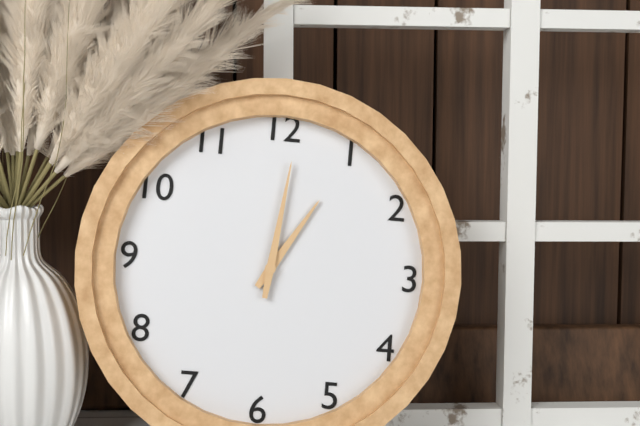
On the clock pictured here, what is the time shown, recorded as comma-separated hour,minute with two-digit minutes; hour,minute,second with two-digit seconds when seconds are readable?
1,01
